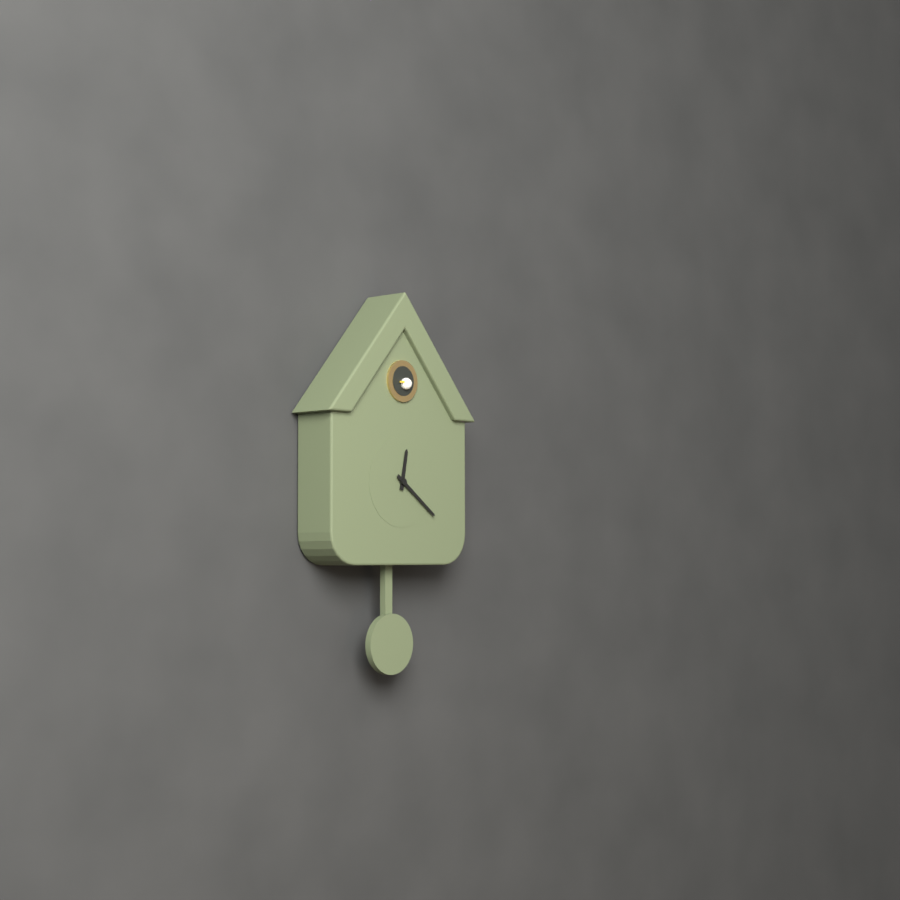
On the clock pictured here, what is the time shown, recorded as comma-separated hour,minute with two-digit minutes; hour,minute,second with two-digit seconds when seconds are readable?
12,21
